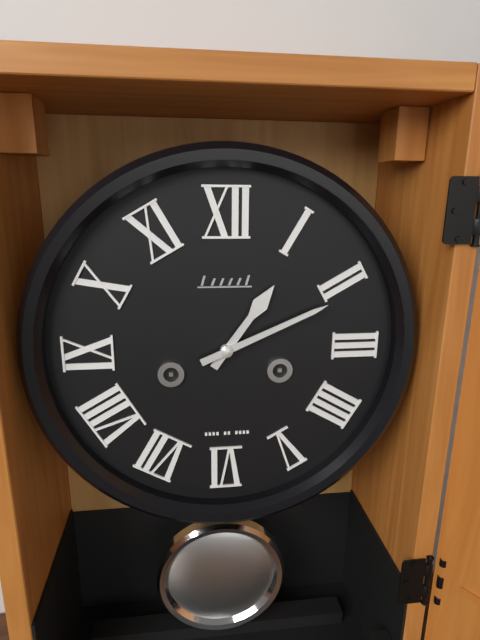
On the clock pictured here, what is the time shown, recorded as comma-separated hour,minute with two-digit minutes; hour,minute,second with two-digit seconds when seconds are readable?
1,11
